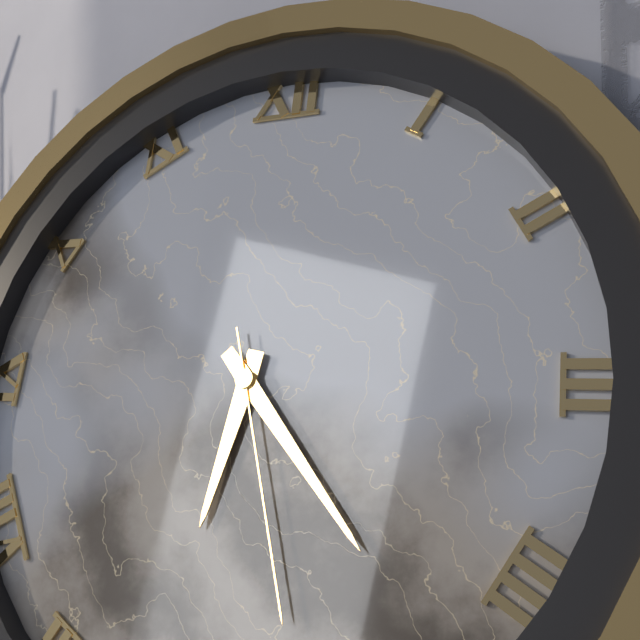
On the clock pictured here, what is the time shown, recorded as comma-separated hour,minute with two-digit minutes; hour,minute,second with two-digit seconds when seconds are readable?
6,23,27
